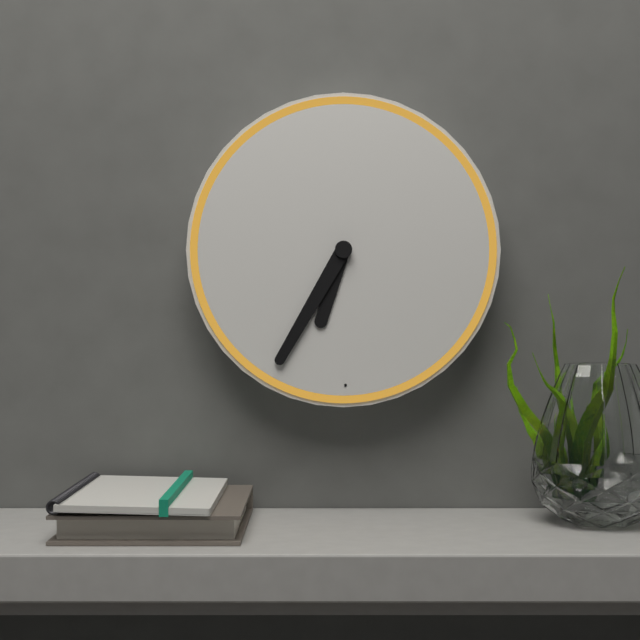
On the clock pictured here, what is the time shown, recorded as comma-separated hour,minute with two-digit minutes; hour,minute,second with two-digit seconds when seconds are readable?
6,35
